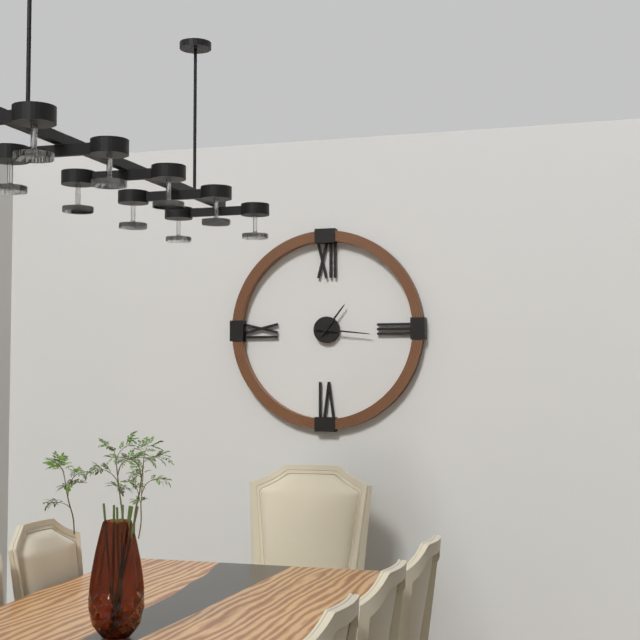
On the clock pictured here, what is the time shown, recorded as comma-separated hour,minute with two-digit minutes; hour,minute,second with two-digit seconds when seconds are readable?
1,16
